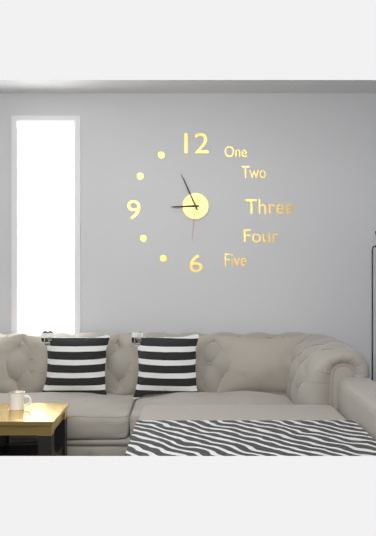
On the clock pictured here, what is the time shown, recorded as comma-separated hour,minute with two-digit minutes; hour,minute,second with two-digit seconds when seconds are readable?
8,56
